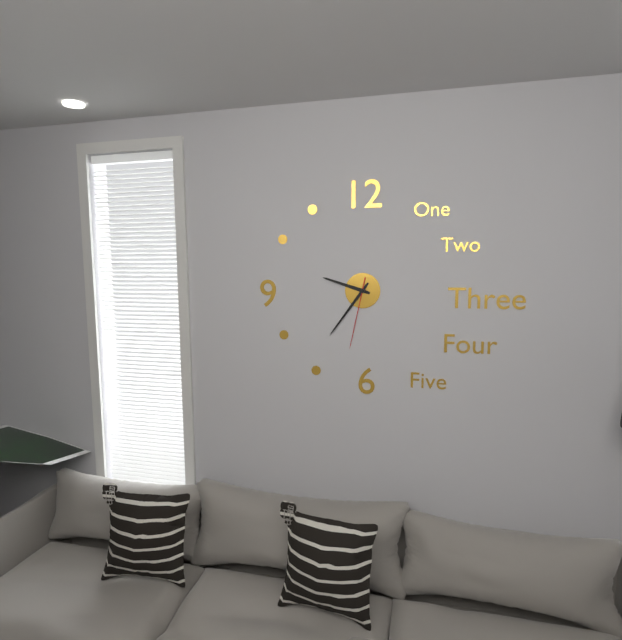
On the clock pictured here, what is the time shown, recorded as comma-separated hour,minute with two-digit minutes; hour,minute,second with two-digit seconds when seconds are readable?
9,36,32
